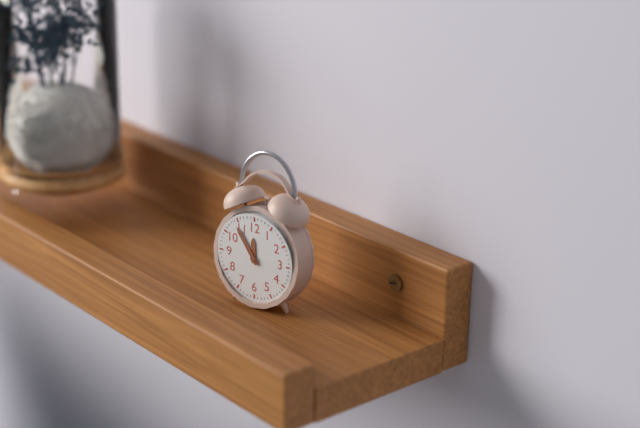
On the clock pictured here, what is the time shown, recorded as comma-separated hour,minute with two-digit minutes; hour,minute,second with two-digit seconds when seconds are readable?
11,54
